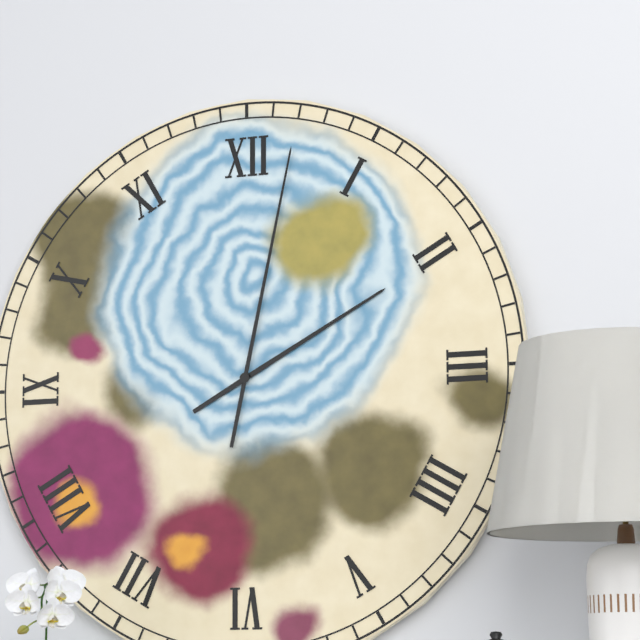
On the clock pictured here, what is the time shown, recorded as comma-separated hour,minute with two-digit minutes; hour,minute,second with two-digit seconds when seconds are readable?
2,02
